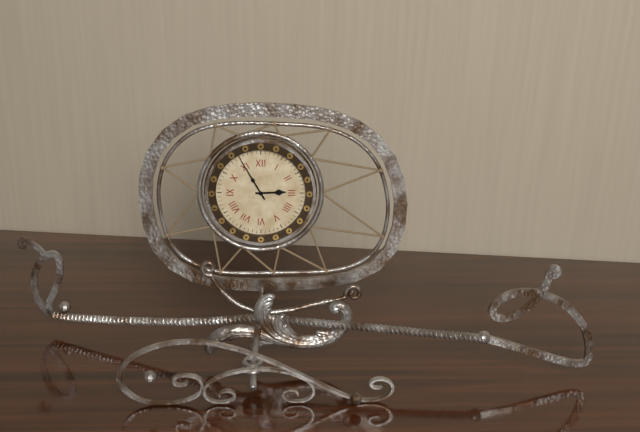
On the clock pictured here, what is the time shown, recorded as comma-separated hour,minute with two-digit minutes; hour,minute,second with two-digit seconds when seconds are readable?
2,55
